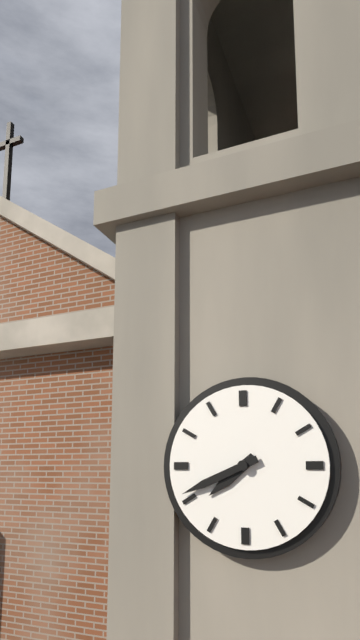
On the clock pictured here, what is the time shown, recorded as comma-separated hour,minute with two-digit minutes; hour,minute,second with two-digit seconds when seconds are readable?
7,41
